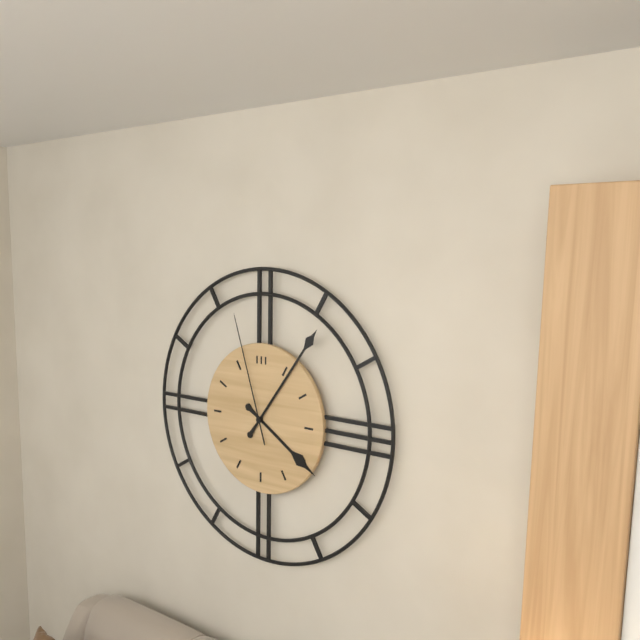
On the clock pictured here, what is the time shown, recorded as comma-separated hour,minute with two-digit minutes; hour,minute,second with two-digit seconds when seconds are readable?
4,06,57
